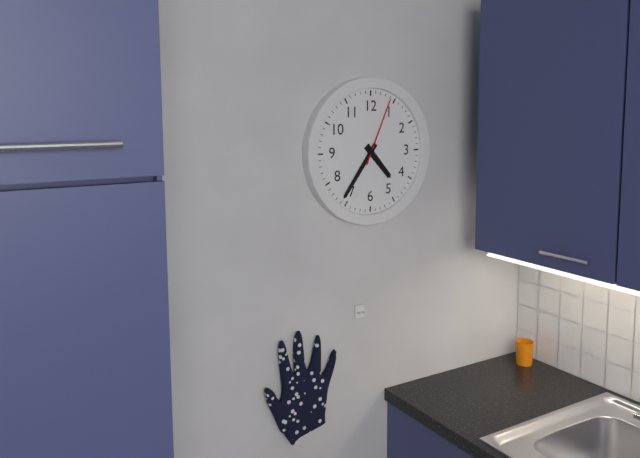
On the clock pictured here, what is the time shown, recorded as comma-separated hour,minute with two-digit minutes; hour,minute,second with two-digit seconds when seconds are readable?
4,36,04
